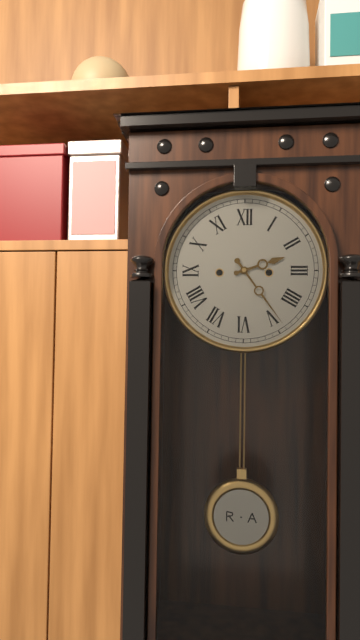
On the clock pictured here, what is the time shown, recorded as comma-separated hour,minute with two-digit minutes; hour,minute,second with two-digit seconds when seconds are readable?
2,24
